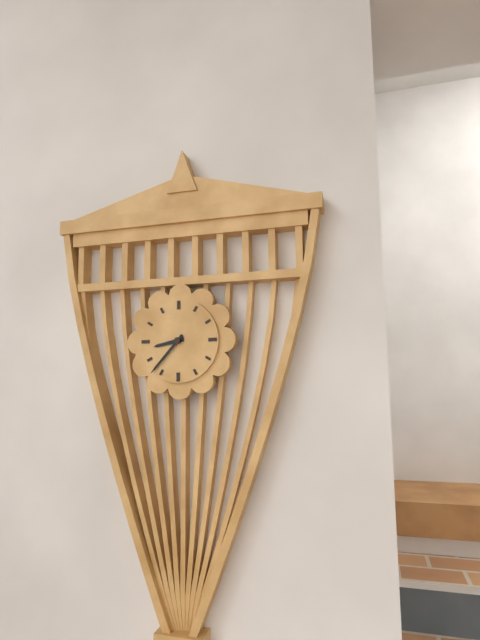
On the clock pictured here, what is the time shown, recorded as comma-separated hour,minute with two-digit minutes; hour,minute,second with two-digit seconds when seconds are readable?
8,37
